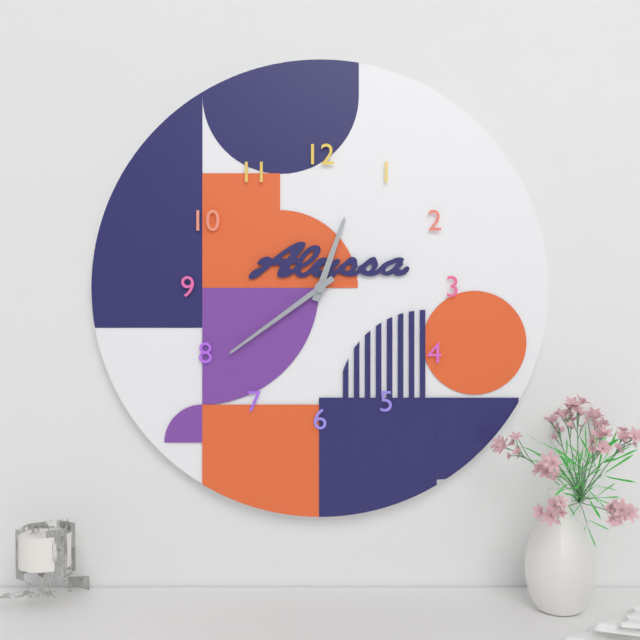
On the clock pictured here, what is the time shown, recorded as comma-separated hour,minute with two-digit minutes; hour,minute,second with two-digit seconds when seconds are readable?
12,39
